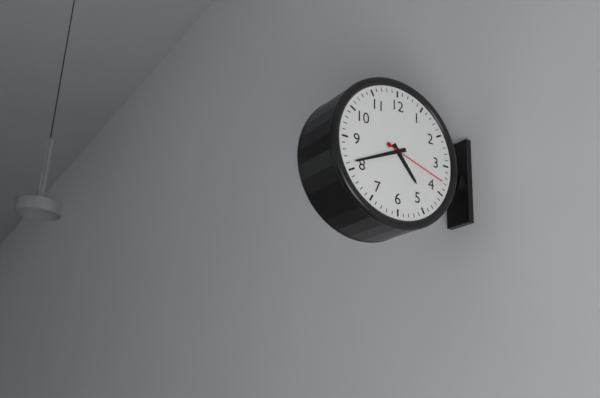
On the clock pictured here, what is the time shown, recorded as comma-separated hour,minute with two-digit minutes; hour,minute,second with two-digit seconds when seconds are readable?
4,41,18
